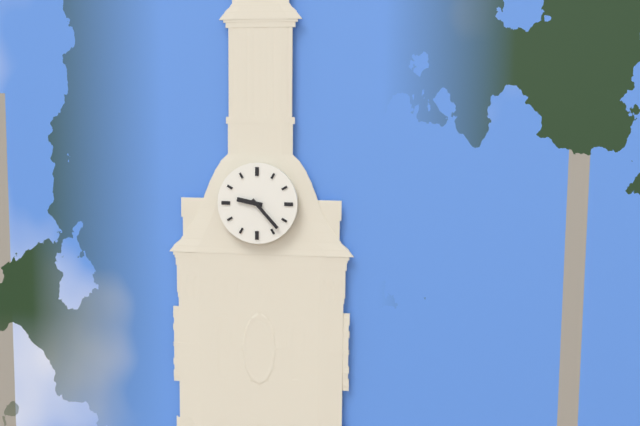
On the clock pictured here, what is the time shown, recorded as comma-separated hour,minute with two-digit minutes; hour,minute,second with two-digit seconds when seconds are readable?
9,23
